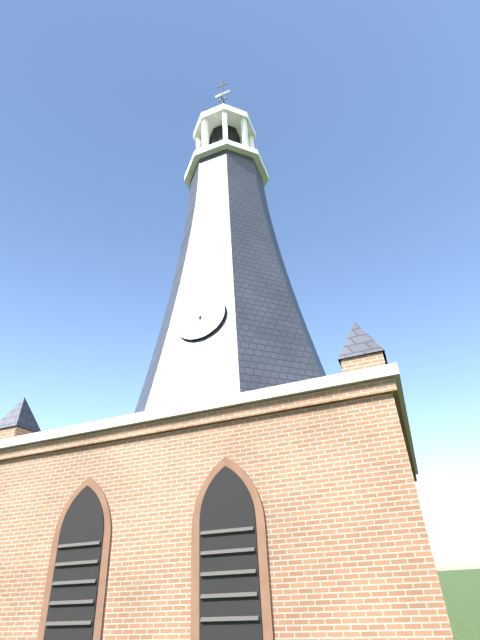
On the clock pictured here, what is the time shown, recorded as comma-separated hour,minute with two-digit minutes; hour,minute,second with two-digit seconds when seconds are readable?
11,33
